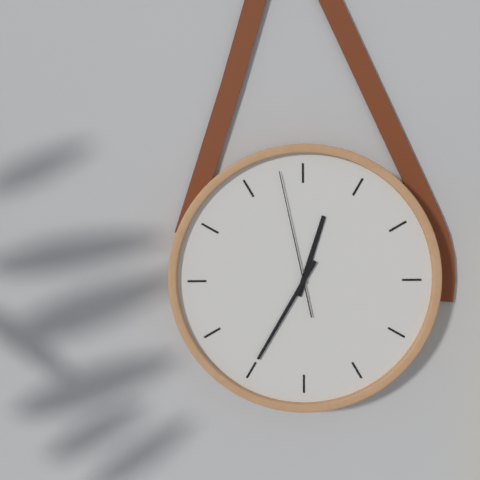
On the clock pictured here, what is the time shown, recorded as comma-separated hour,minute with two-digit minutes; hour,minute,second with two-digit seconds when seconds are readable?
12,35,58
